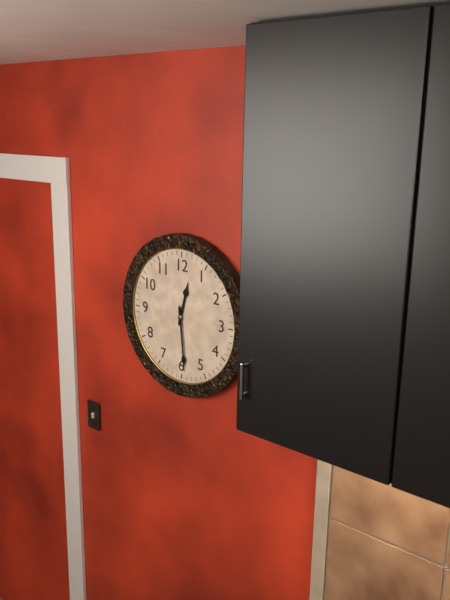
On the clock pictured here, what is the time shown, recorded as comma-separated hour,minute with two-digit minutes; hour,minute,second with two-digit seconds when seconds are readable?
12,29
